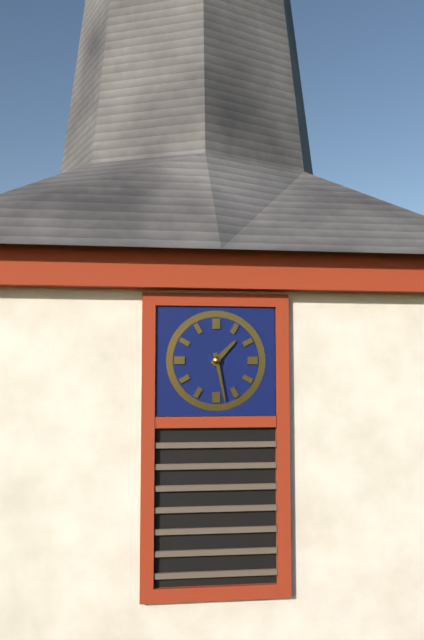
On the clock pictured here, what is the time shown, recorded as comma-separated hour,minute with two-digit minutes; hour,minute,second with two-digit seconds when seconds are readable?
1,28
